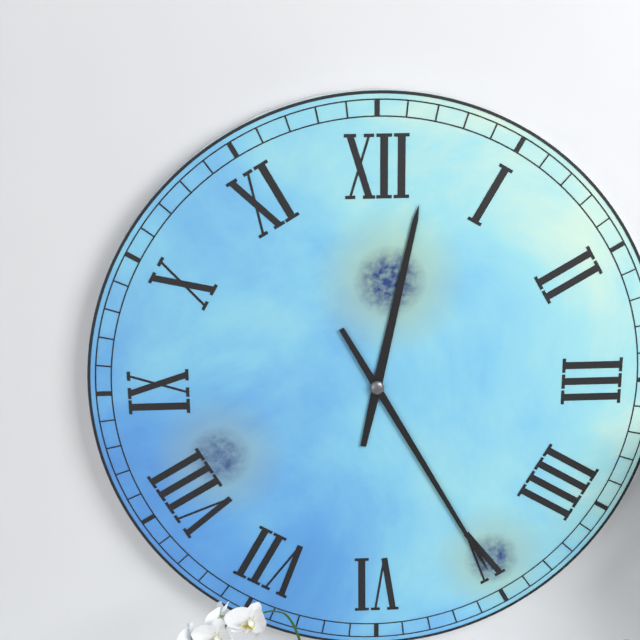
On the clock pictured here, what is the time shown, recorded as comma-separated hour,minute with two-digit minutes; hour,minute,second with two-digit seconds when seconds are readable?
12,25
